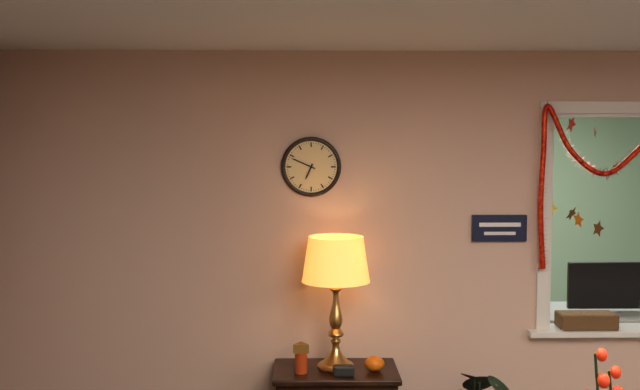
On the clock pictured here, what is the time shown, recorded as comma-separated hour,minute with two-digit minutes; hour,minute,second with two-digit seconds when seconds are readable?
6,49
